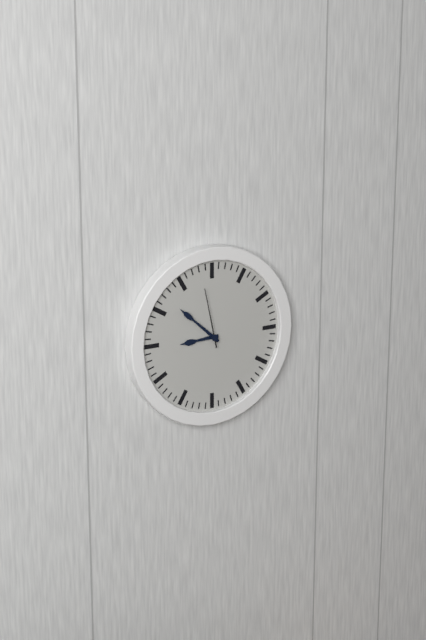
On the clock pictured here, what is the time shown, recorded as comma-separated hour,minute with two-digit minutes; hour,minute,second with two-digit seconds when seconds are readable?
8,52,58
